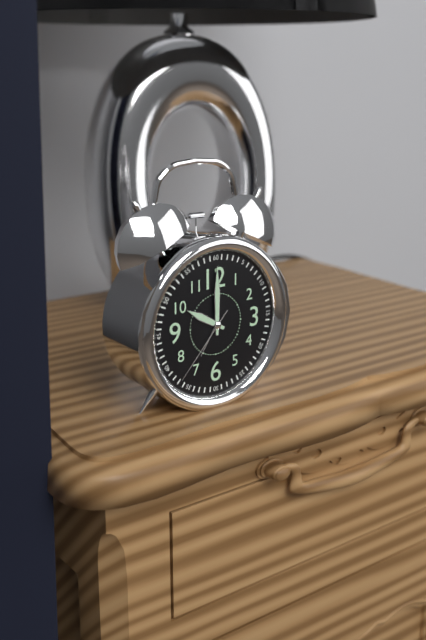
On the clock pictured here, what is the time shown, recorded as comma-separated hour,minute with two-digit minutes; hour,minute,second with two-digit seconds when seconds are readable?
10,00,37
